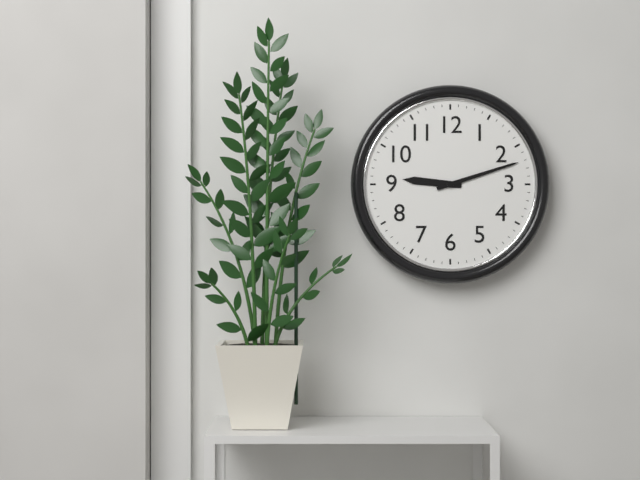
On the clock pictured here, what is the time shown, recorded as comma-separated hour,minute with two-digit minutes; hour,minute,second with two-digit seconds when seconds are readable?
9,12
